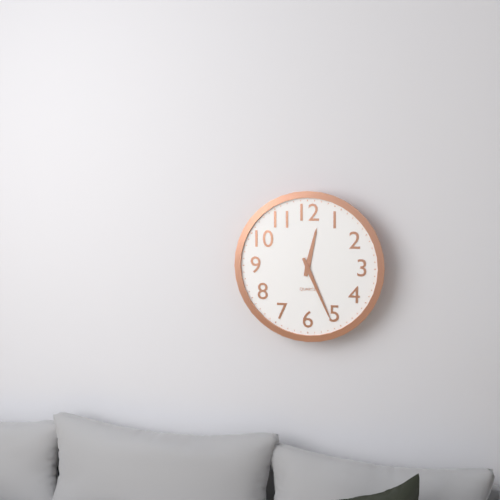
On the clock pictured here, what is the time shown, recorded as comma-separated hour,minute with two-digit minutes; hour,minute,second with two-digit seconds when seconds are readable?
12,26
